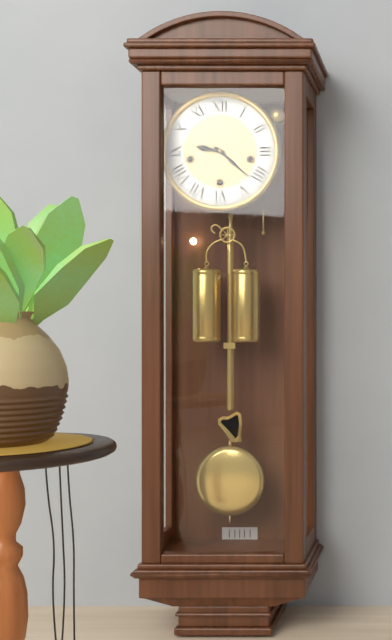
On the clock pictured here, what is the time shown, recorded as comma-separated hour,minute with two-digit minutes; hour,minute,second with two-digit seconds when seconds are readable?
9,22
